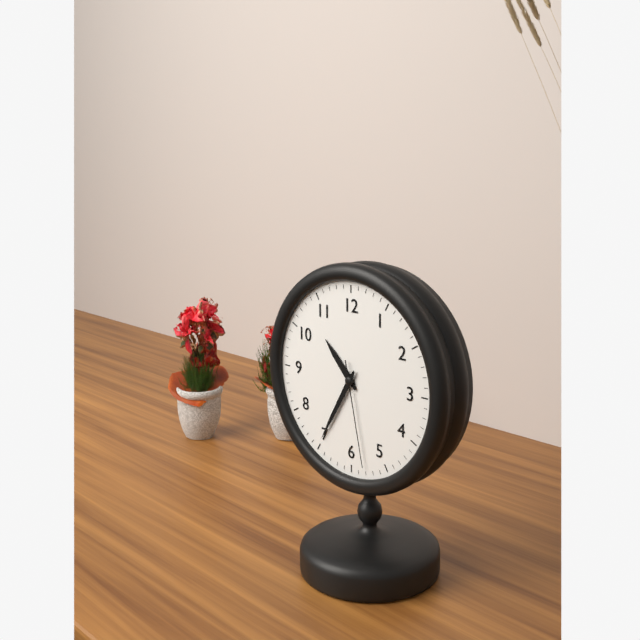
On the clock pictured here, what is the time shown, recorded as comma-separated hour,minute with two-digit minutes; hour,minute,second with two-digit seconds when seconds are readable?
10,35,28
